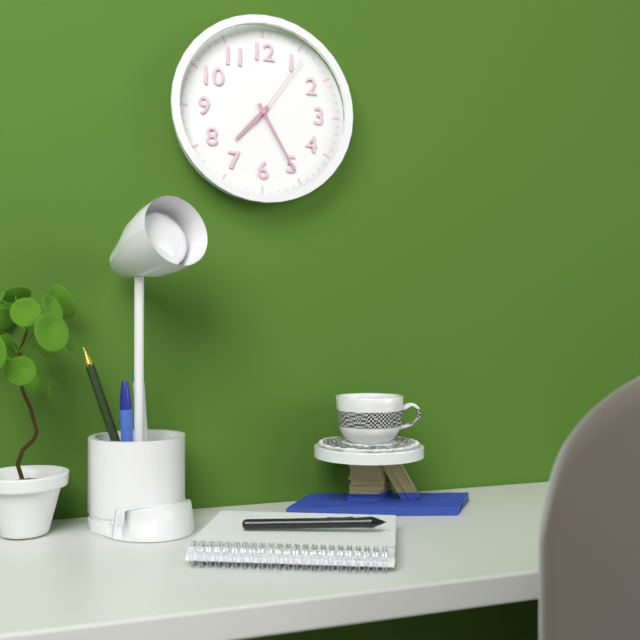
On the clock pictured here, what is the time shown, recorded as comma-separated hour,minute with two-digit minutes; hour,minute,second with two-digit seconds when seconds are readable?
7,25,06
